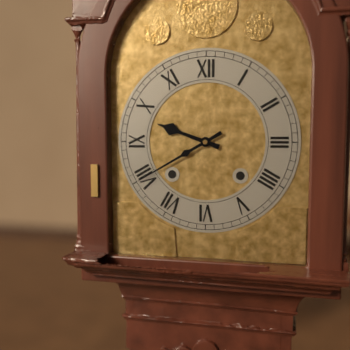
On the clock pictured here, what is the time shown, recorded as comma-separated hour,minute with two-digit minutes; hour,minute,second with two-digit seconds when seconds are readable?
9,40
